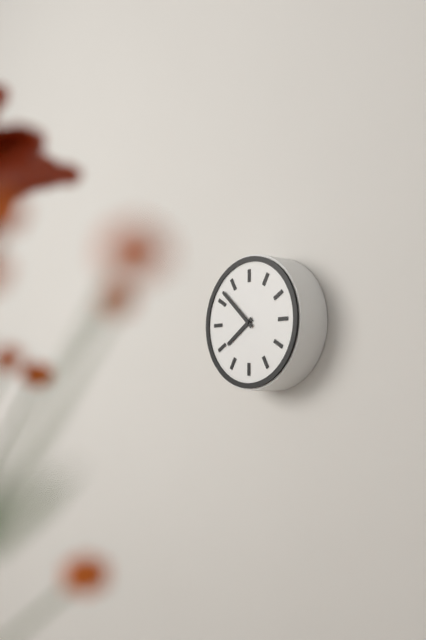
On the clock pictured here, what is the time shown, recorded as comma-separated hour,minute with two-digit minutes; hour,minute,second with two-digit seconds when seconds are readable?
7,52
